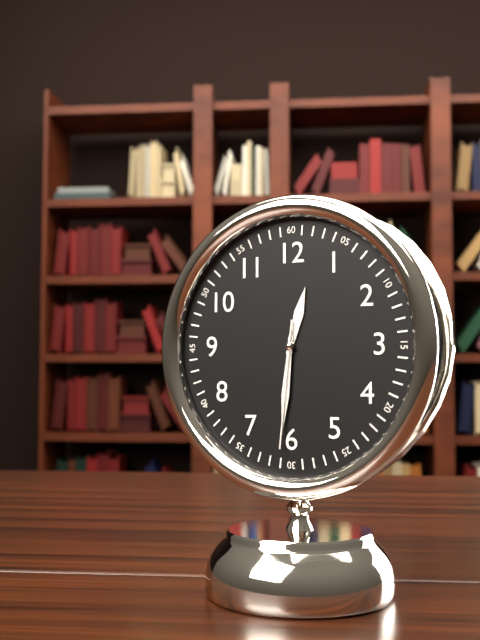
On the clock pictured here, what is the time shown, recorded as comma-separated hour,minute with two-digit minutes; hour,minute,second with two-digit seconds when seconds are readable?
12,31,31
